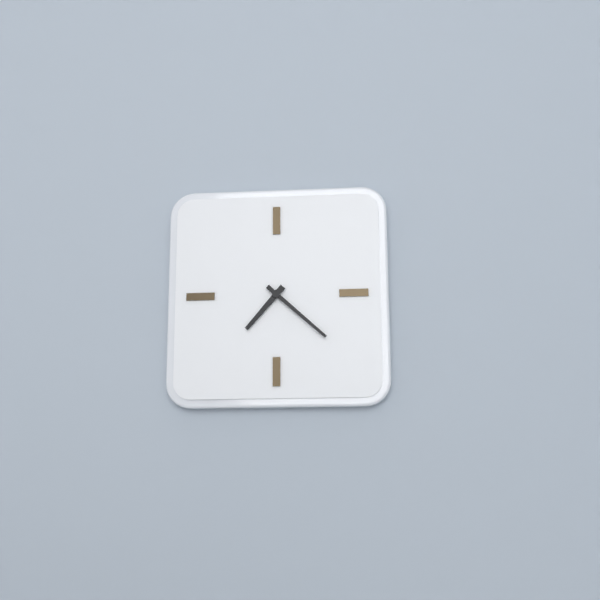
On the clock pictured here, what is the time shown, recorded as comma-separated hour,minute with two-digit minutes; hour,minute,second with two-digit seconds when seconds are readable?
7,22
